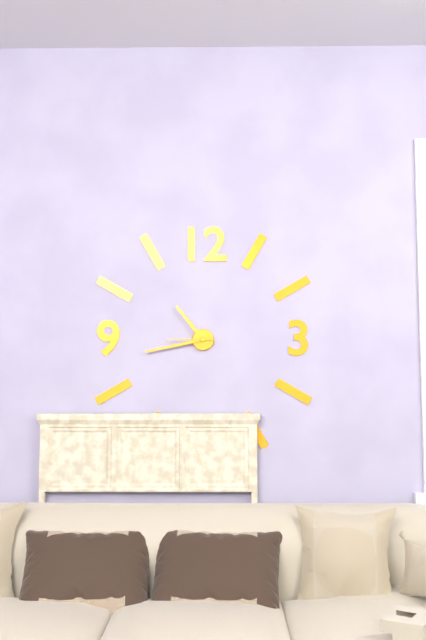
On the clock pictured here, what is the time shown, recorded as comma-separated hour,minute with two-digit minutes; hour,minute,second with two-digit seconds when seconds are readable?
10,43
